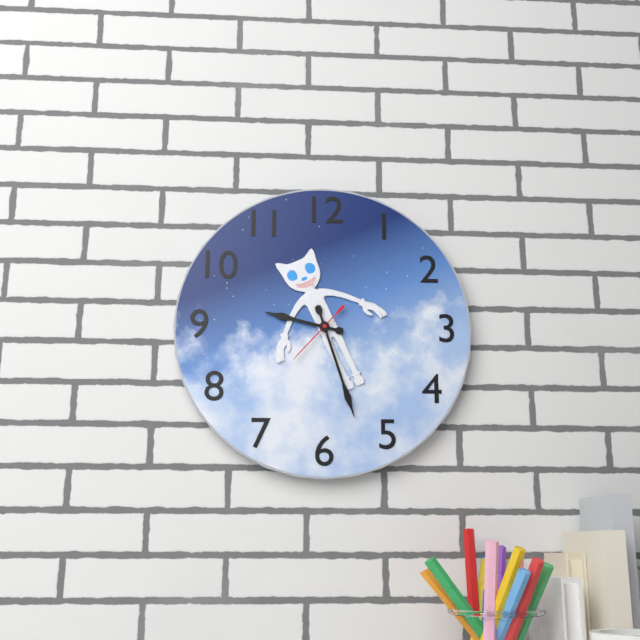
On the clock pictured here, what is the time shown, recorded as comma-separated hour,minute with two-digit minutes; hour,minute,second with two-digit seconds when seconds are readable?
9,27,37
